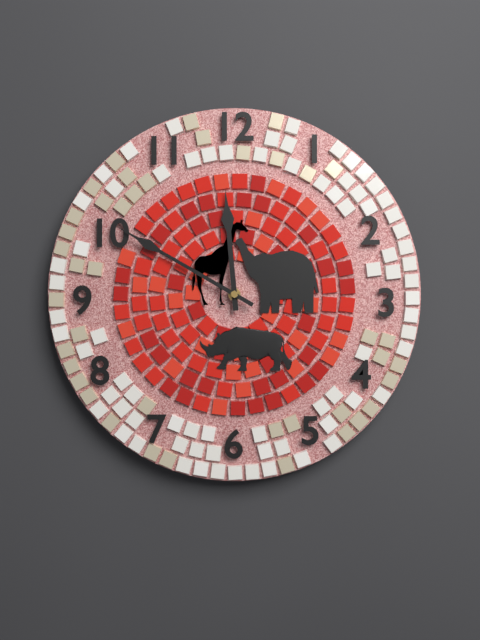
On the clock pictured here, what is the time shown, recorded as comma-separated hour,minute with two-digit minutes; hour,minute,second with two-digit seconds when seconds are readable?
11,50
